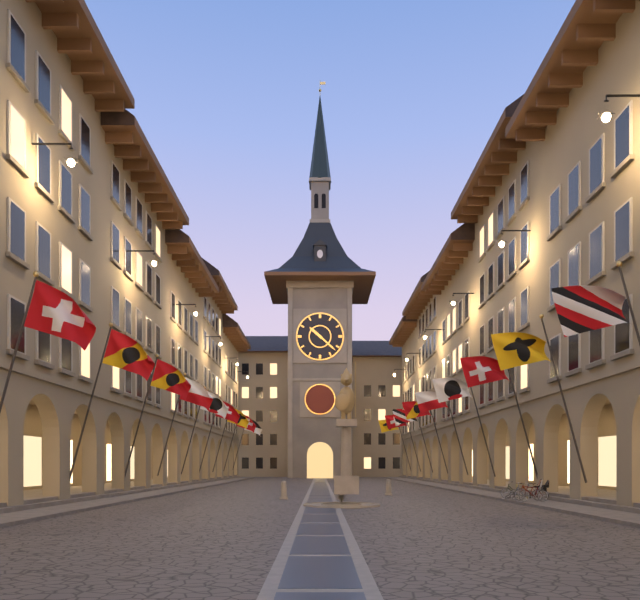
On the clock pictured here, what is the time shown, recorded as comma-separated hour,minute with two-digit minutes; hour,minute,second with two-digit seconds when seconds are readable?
10,22
